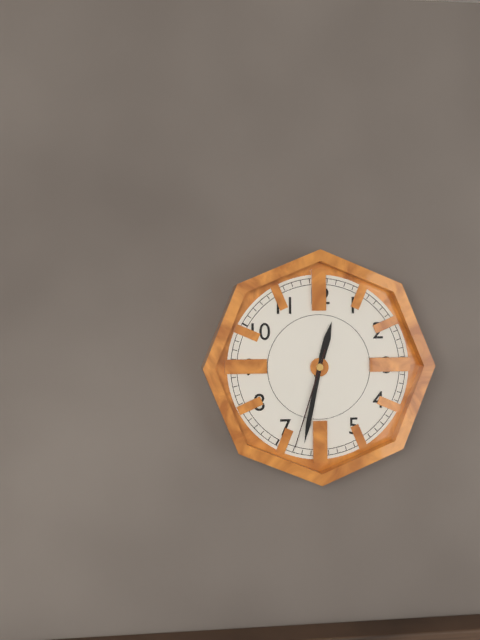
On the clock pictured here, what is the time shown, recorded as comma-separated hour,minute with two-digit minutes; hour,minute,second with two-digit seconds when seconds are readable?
12,32,33
